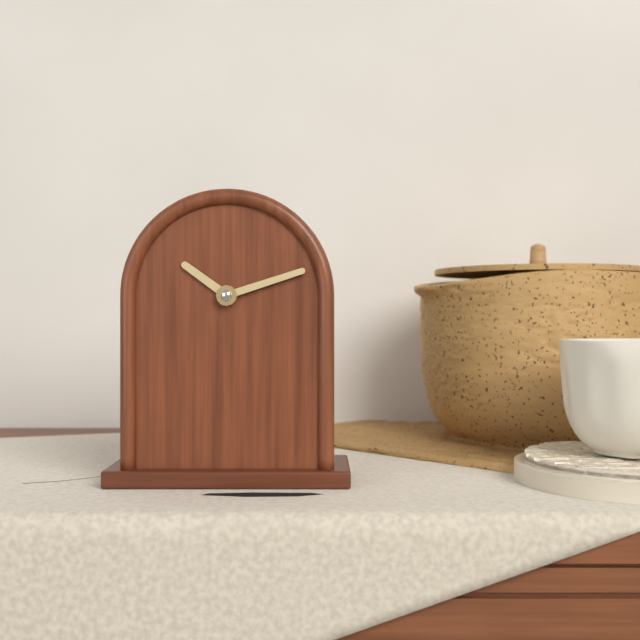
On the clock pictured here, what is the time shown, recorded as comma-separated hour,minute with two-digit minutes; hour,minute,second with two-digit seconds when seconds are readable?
10,12
